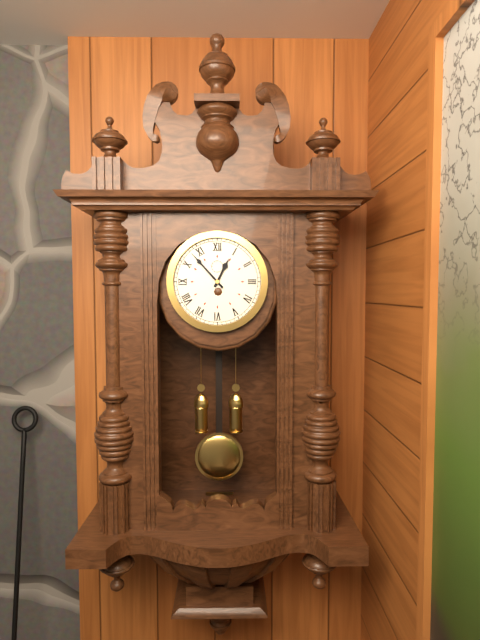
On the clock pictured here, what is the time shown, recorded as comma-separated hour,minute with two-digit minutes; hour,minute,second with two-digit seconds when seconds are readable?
12,53
